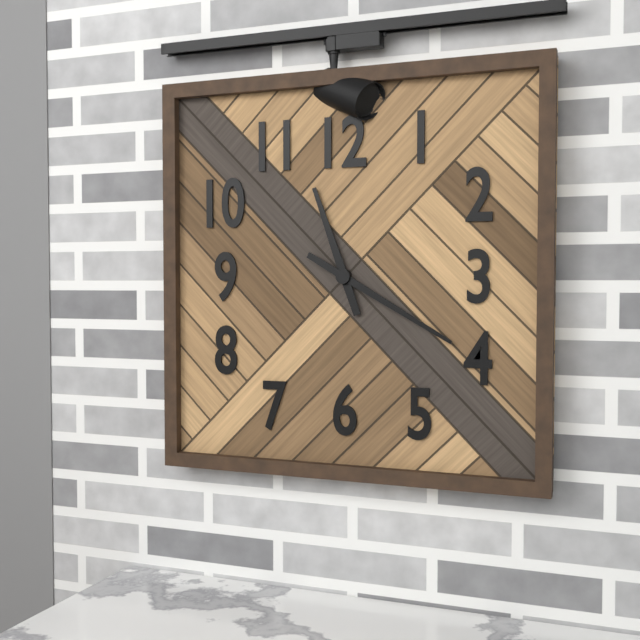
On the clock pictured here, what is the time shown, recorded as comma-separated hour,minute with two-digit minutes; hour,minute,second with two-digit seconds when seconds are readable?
11,20
